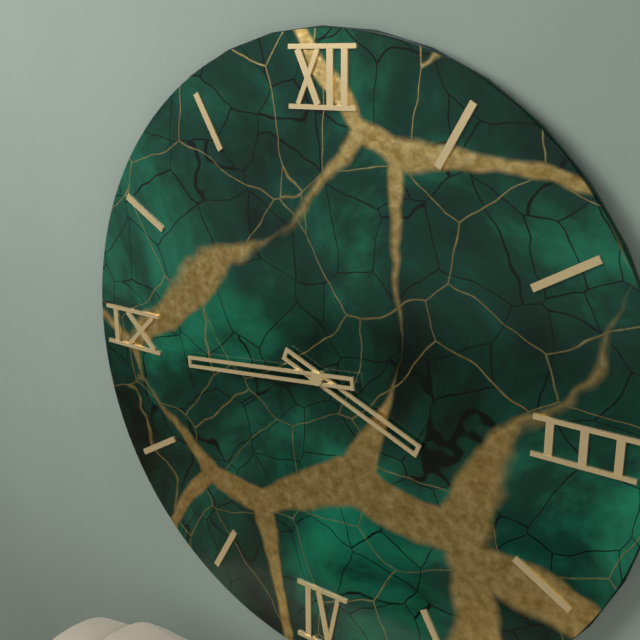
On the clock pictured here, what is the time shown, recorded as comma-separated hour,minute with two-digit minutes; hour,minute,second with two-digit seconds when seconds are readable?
3,44
